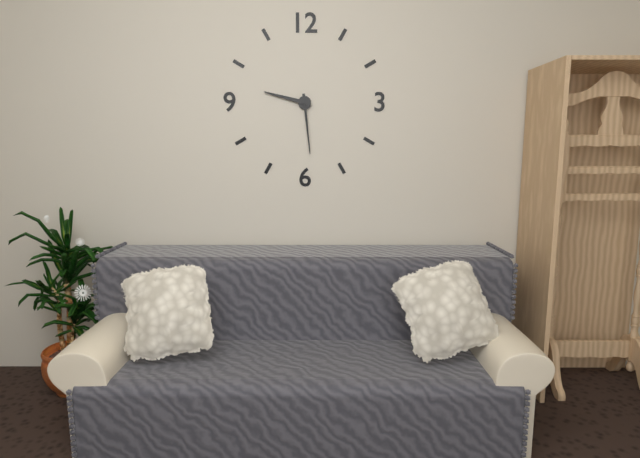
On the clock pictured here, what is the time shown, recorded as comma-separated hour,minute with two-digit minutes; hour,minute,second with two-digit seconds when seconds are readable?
9,29
